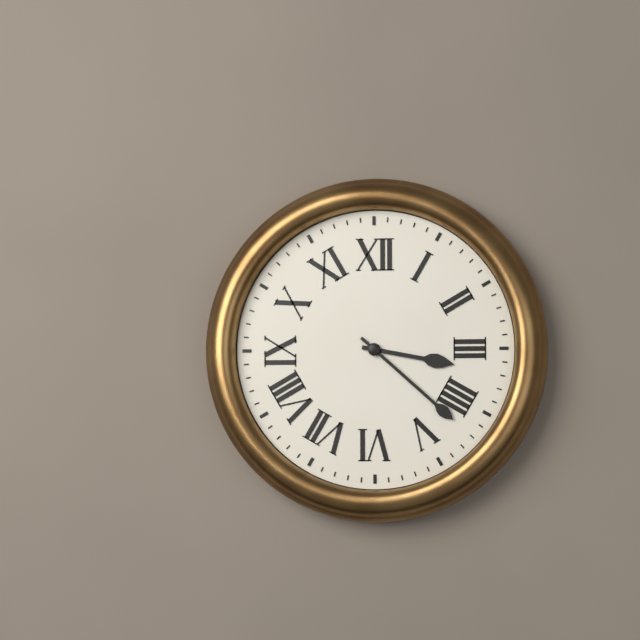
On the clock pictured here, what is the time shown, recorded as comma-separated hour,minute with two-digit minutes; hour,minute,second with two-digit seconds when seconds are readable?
3,22
